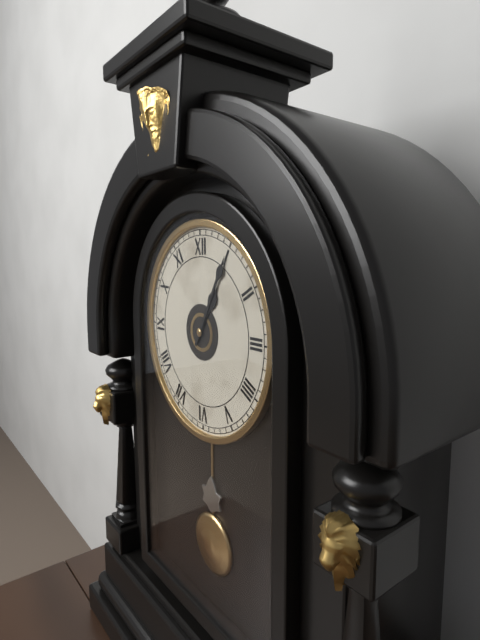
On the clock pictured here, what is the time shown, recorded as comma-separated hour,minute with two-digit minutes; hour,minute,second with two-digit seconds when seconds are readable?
1,05
